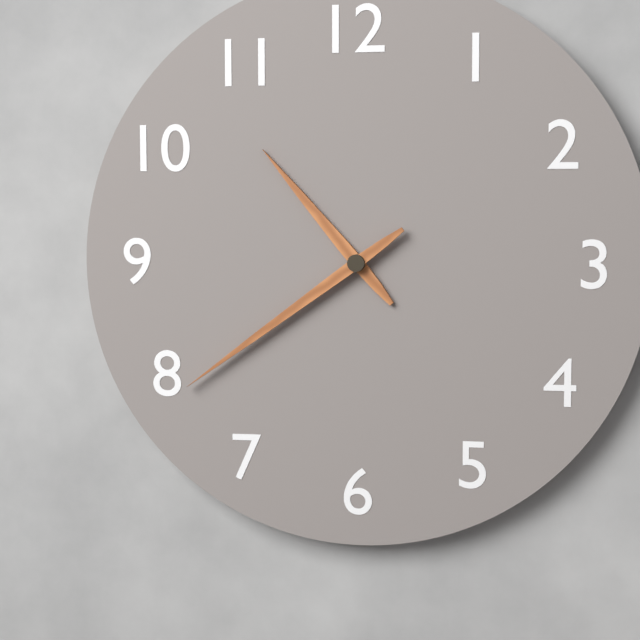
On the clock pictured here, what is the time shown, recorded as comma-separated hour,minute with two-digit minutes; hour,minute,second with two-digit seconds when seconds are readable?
10,39
